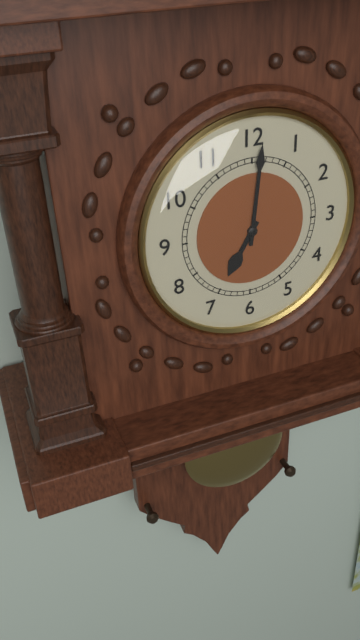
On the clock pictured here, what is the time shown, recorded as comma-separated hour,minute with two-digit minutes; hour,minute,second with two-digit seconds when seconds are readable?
7,01
